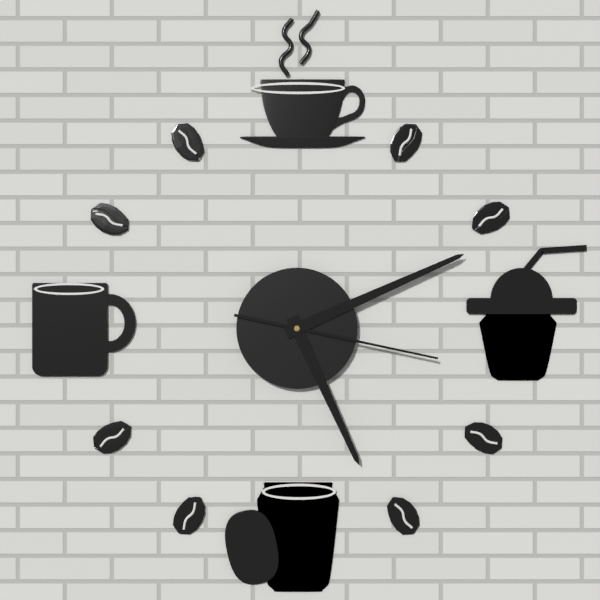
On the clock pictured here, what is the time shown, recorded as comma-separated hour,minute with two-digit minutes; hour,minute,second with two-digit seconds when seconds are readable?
5,11,17
